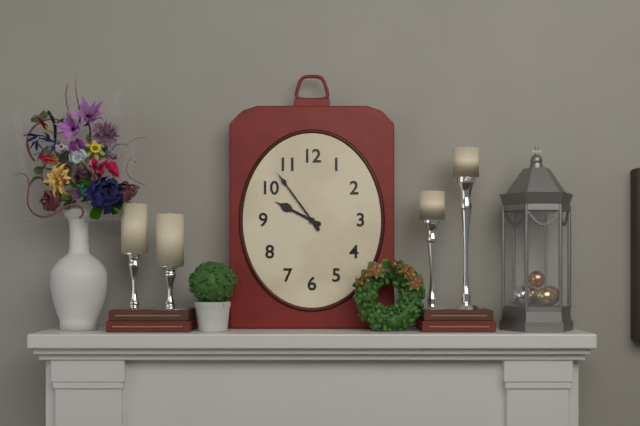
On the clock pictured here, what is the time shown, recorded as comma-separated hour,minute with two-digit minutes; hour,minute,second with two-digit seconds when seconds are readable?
9,54
